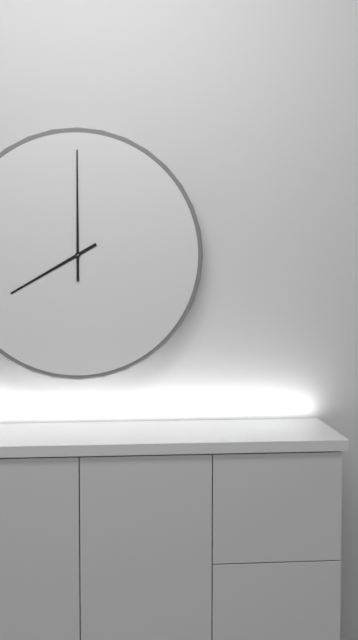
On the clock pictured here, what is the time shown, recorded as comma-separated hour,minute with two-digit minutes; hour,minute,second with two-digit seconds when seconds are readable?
8,00
